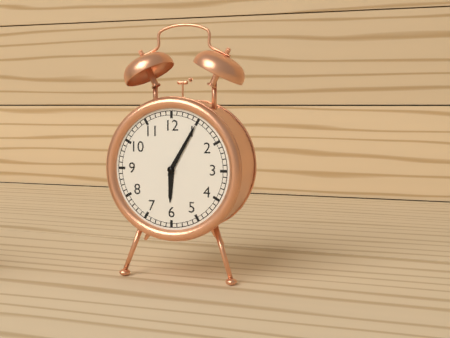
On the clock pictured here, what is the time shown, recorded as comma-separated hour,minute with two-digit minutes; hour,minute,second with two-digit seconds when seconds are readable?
6,05
